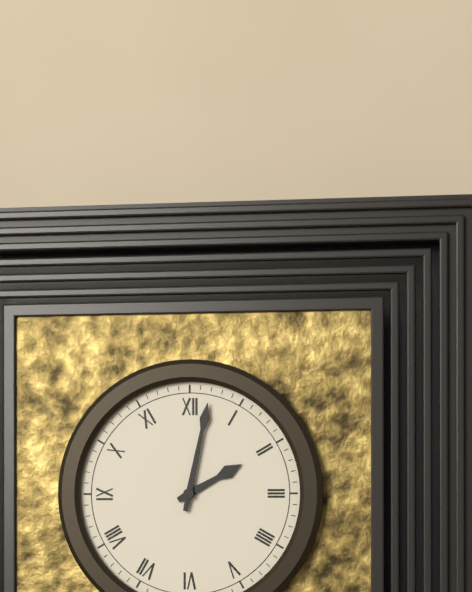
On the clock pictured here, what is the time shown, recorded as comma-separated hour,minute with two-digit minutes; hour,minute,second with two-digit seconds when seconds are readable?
2,02
